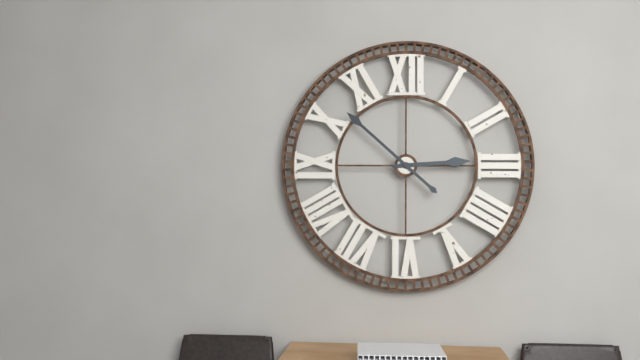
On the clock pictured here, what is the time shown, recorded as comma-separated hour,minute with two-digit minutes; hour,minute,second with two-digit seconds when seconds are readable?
2,52
